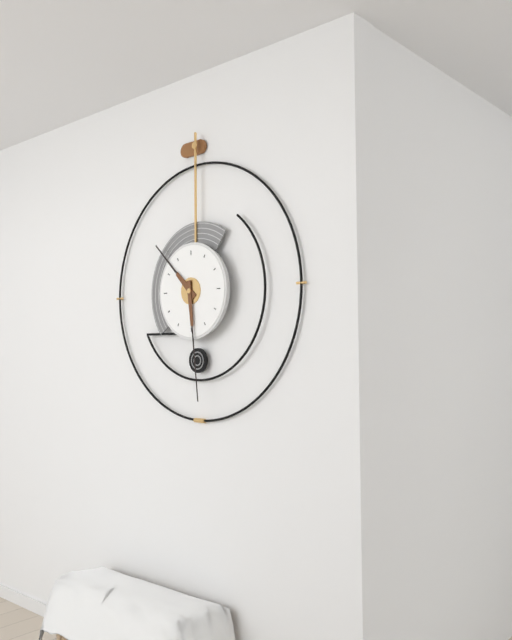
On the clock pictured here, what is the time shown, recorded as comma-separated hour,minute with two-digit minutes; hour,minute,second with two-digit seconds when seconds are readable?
10,29
